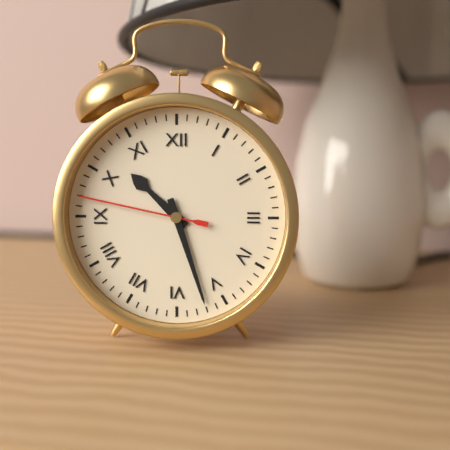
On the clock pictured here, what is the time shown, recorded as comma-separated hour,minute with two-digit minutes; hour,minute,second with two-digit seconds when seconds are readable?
10,27,47
